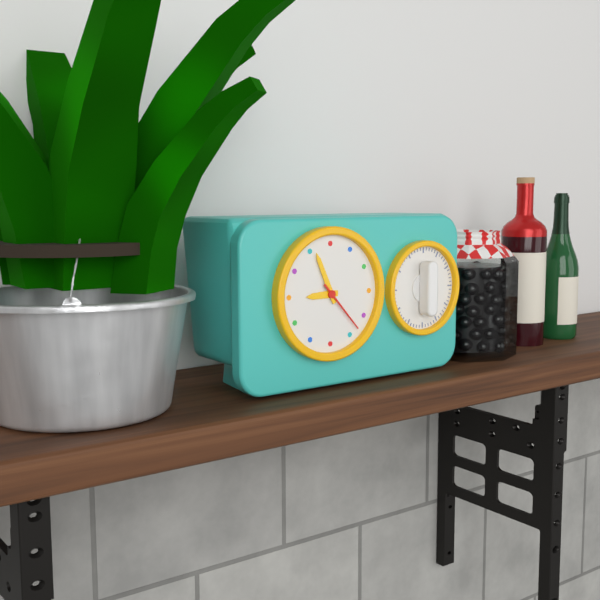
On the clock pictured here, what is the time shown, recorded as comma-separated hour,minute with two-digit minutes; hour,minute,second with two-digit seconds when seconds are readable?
8,56,23
